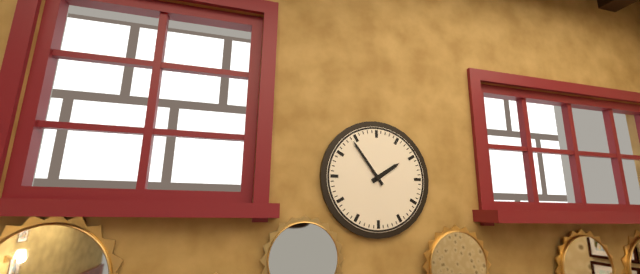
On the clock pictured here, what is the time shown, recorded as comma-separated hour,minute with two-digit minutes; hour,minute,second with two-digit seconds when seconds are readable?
1,54
